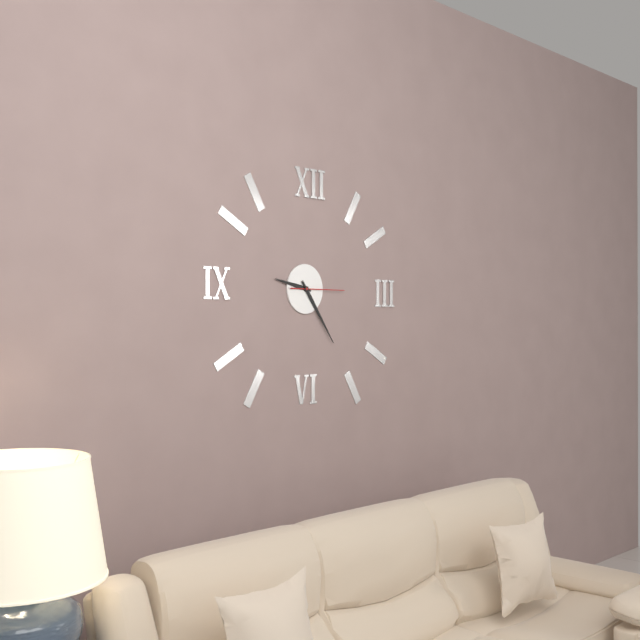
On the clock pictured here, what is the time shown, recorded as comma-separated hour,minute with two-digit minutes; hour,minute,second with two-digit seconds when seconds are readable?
9,24,15
